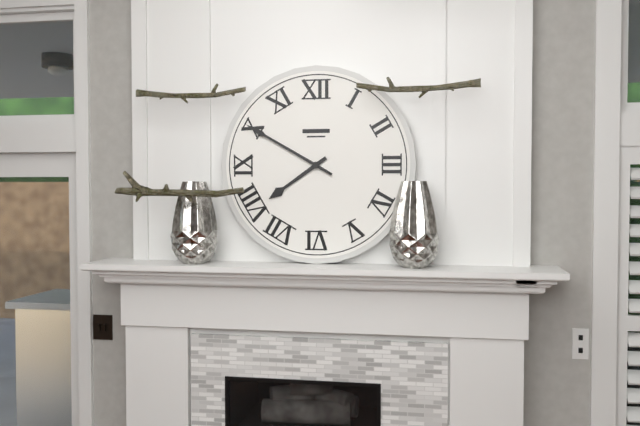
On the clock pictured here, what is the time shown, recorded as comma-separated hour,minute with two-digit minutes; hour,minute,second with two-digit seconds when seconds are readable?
7,50
